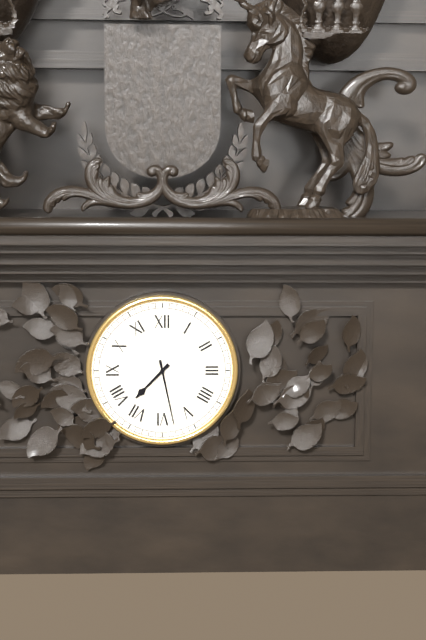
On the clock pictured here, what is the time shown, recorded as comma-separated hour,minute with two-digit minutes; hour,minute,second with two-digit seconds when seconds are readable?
7,28
